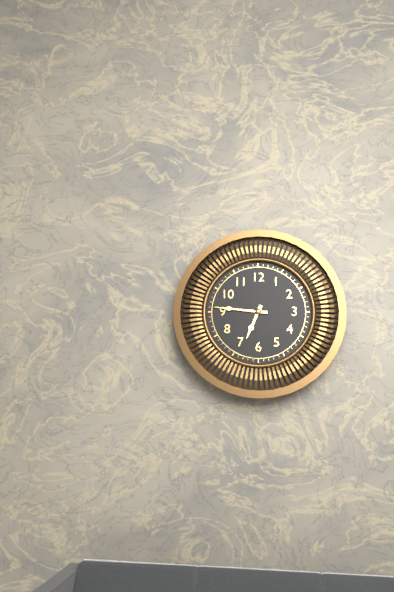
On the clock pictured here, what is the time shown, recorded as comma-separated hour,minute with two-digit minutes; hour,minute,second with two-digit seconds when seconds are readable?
6,46
